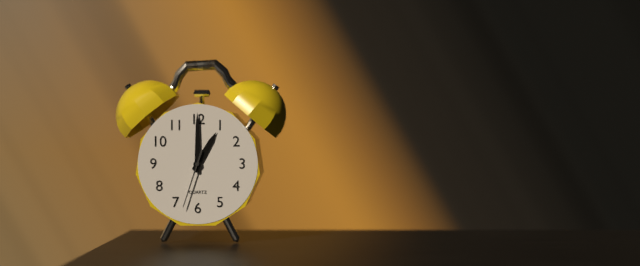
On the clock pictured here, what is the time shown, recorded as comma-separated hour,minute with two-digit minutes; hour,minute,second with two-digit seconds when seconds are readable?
1,00,33
